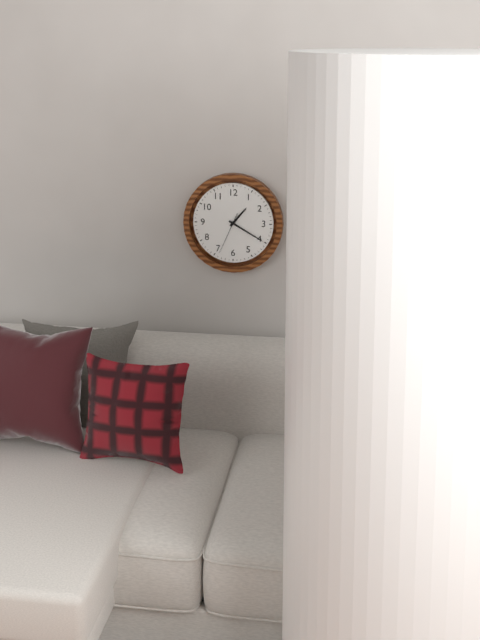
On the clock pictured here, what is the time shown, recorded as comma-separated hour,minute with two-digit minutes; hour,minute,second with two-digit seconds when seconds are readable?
1,20
